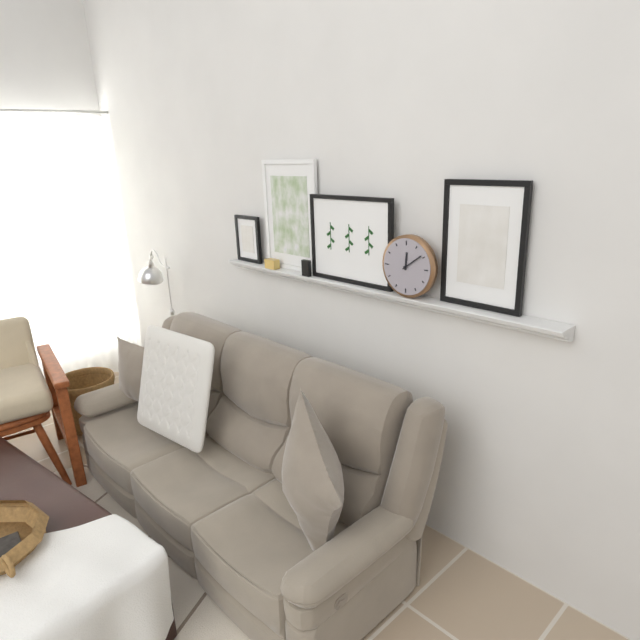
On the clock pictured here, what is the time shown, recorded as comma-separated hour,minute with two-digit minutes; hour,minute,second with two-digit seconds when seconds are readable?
12,09
